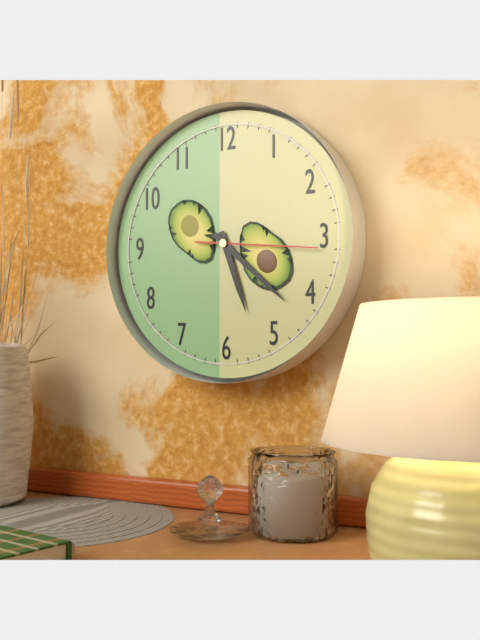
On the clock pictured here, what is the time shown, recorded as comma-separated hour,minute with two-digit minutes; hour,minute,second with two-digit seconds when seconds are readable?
5,22,16
